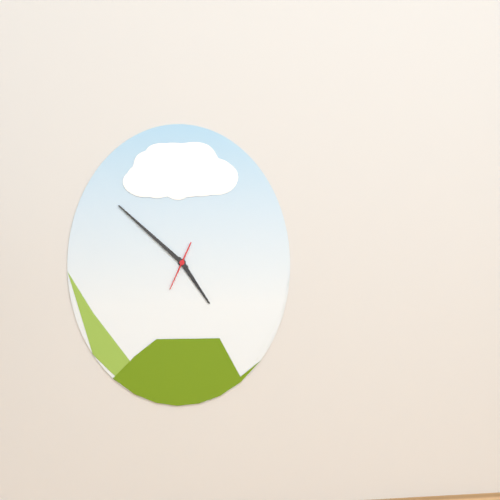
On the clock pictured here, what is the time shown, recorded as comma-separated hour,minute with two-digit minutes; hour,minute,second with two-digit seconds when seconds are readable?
4,52
